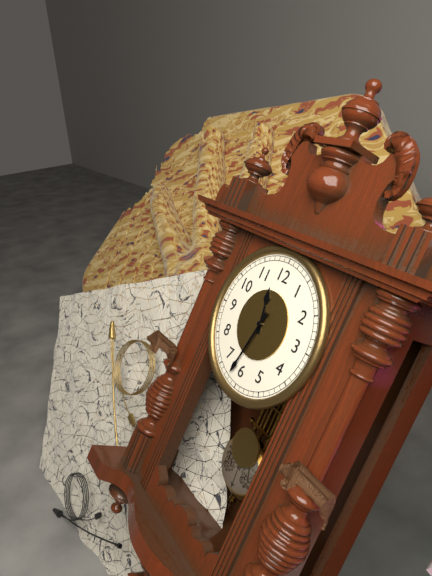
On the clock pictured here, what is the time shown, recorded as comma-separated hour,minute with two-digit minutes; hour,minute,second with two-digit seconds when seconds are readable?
11,32
